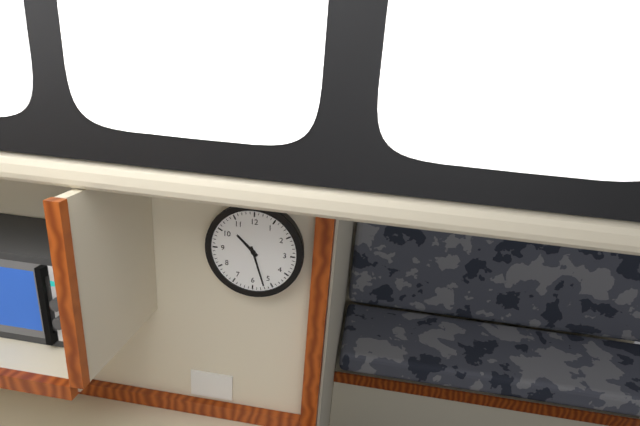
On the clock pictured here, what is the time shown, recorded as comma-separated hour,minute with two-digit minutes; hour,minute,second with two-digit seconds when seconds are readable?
10,27
